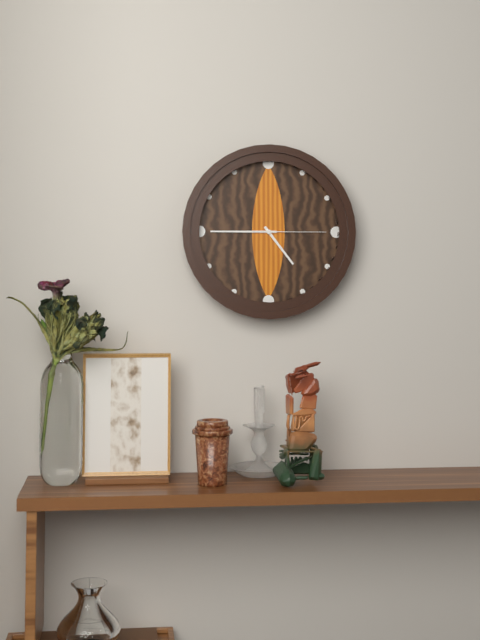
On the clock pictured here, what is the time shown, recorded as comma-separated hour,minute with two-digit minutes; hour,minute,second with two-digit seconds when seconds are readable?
4,45,15
